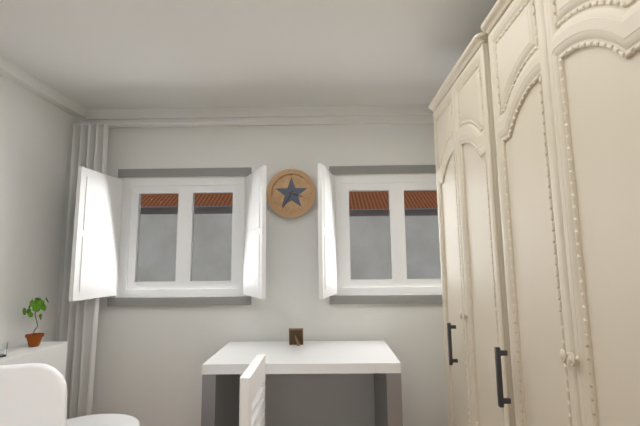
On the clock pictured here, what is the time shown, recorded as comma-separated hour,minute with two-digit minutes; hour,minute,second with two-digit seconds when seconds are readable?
3,35
